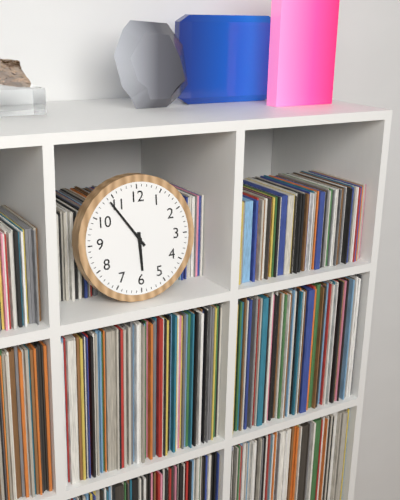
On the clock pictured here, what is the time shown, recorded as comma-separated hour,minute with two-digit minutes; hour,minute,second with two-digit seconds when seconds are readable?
5,54
